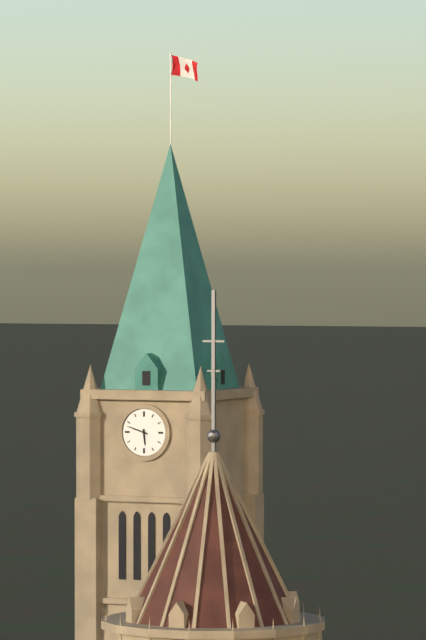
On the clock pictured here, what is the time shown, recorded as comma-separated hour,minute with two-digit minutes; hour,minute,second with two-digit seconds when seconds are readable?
5,48
